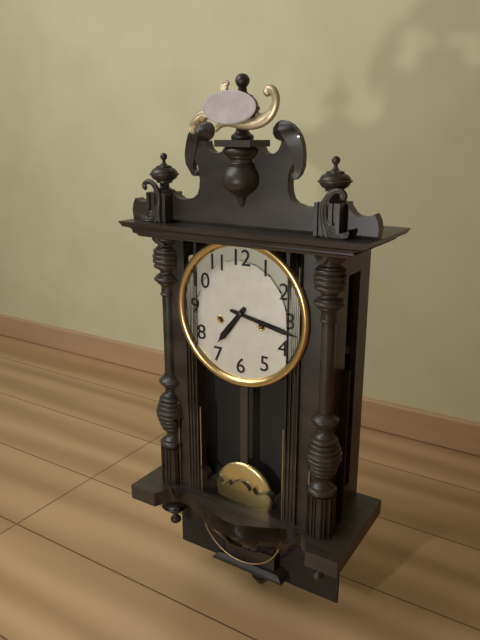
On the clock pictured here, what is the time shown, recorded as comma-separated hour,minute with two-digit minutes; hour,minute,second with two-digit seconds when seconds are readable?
7,17
